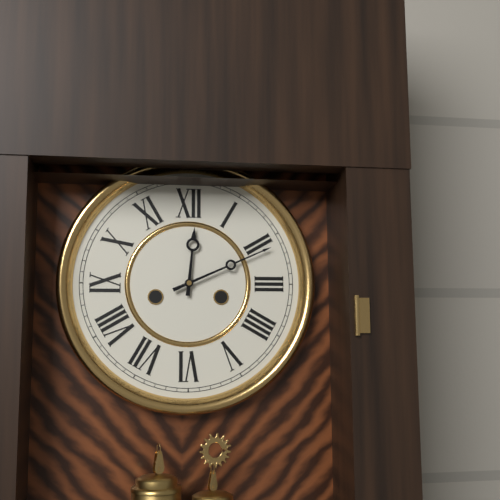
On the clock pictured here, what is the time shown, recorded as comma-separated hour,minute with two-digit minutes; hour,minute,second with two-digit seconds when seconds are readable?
12,11
